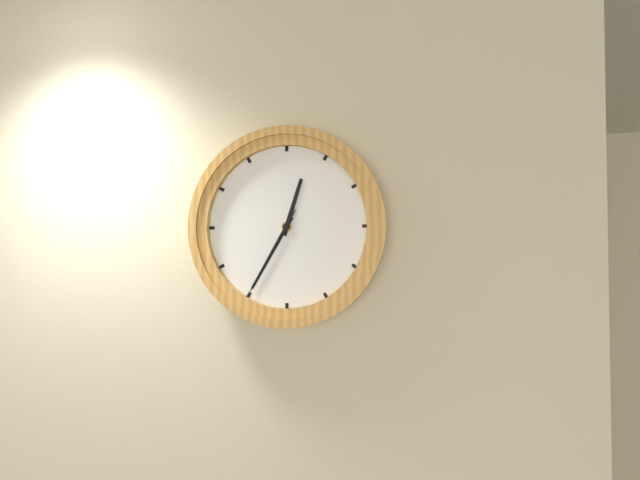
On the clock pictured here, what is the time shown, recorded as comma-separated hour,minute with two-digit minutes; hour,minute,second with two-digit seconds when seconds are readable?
12,35,35
